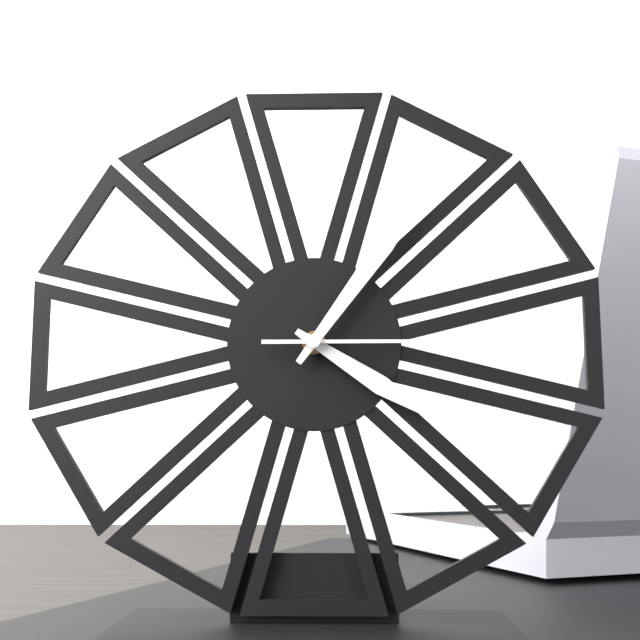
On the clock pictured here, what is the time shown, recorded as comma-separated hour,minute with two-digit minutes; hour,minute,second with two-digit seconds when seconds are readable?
4,06,15
